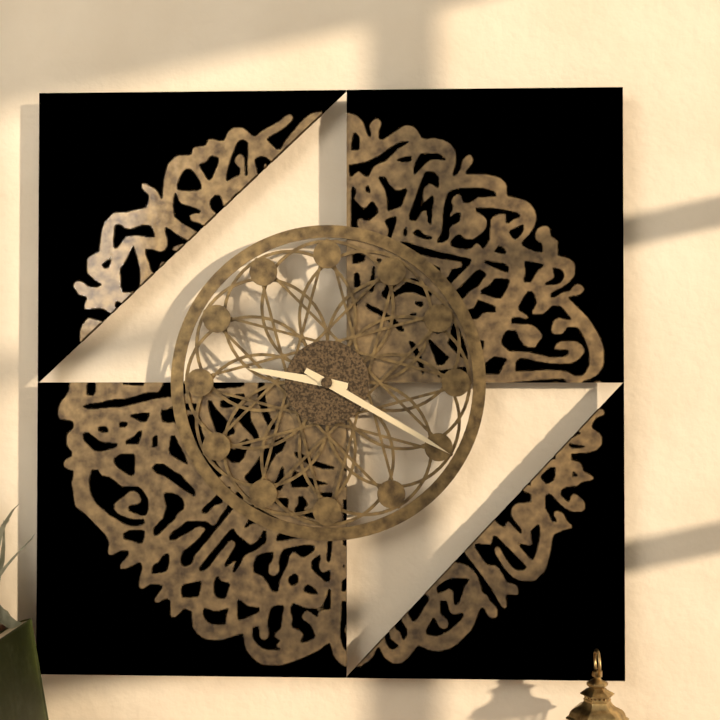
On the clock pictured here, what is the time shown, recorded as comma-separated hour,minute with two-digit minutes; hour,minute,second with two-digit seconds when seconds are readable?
9,20
